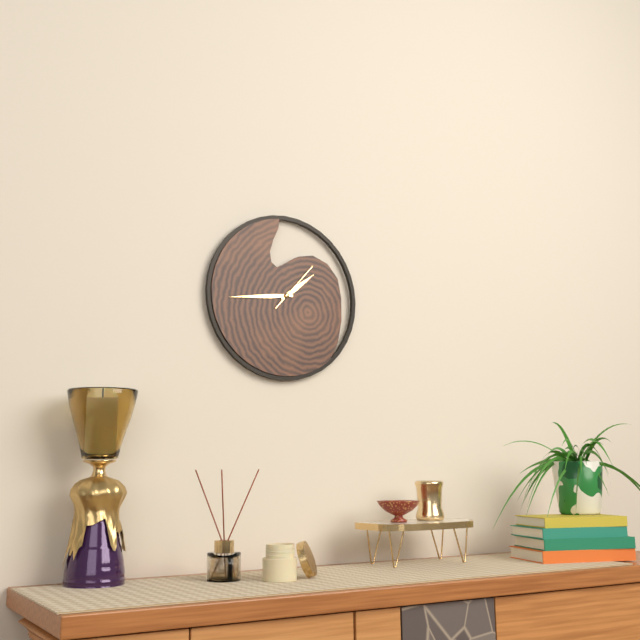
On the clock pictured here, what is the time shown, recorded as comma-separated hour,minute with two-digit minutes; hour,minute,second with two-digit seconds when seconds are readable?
1,44,07
